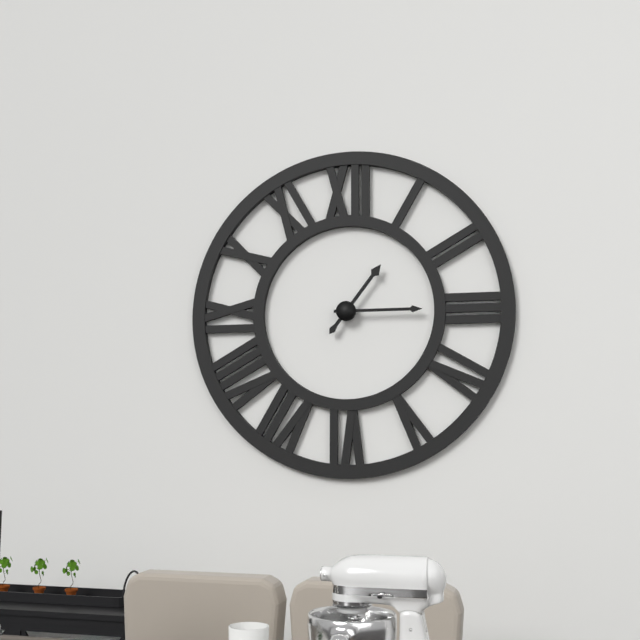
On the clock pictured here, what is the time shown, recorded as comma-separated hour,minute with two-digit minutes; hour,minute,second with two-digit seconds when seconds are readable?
1,15
